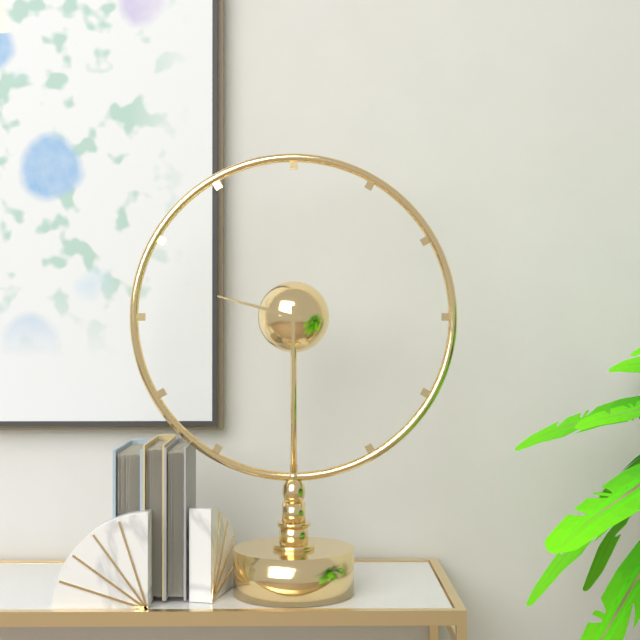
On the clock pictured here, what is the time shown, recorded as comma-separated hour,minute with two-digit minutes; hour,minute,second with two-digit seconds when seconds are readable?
9,30
